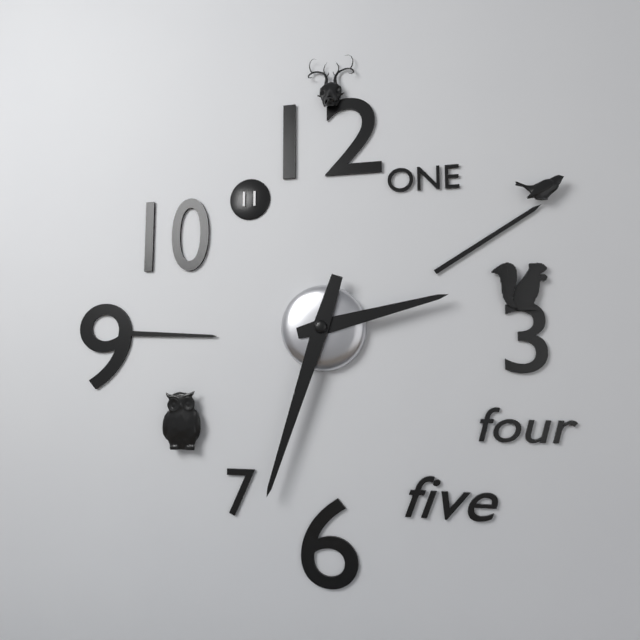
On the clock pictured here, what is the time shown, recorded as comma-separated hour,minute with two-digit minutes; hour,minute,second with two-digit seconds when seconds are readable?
2,33
